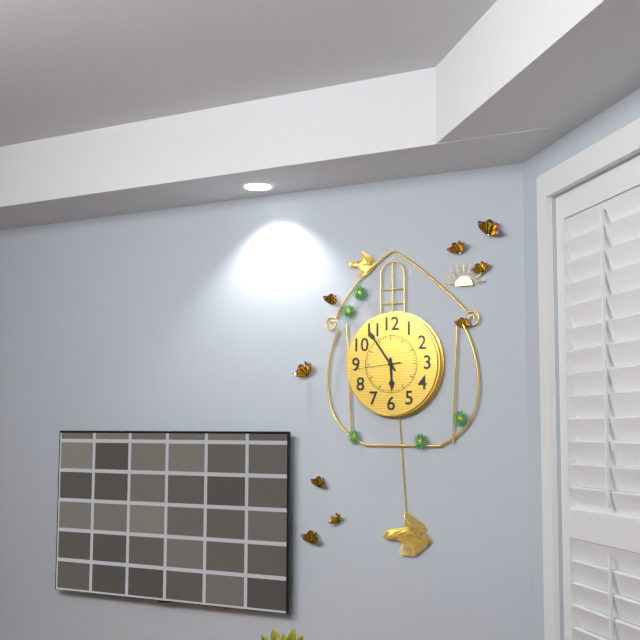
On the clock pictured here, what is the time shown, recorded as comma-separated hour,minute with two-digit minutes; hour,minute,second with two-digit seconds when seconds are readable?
5,54
